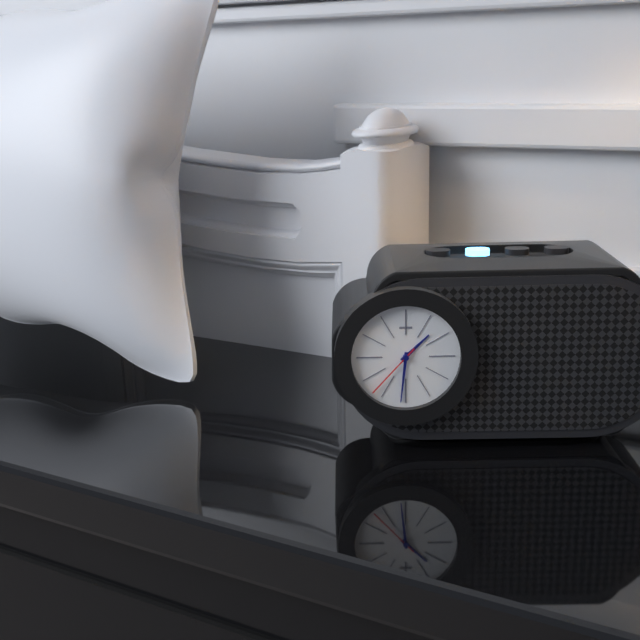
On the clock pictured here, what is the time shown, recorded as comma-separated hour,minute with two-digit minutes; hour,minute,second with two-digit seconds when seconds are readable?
1,31,37
